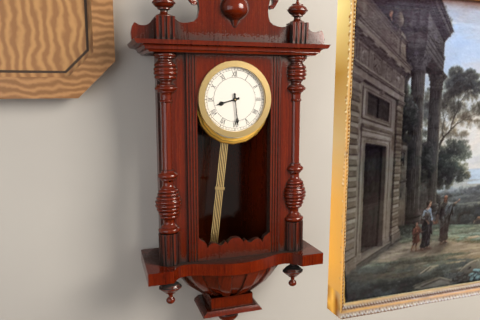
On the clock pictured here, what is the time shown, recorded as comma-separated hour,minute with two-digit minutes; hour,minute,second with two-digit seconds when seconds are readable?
8,29
